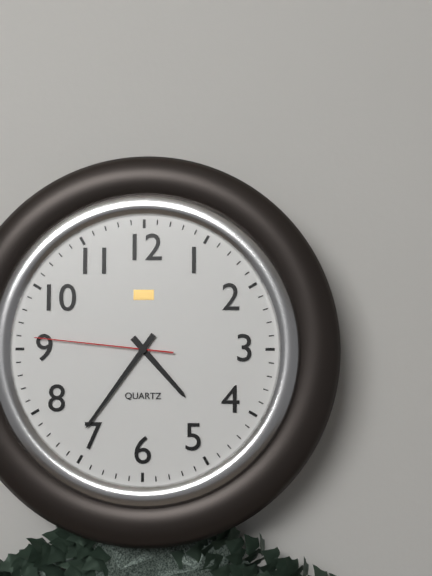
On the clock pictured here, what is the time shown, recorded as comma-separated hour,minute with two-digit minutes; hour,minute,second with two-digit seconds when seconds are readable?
4,36,46
